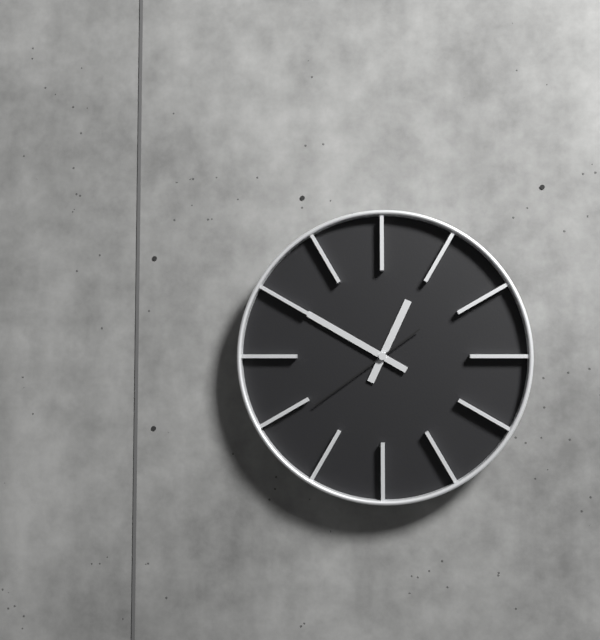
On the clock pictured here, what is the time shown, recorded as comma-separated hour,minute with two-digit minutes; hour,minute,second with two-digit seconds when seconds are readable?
12,50,39
